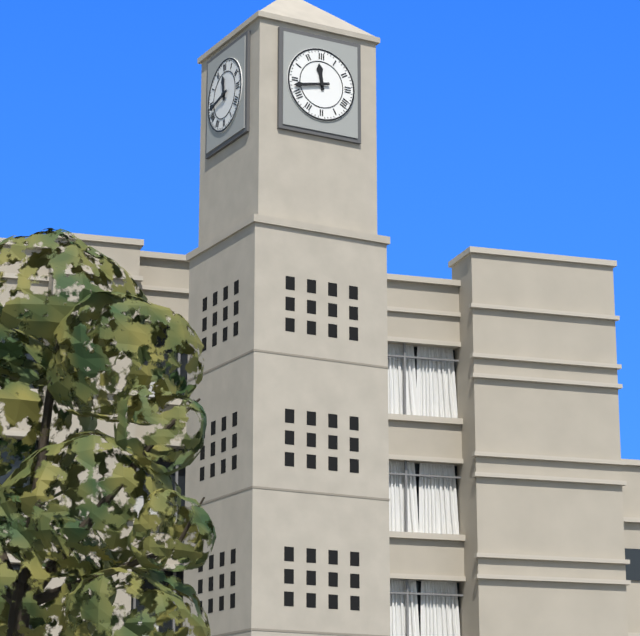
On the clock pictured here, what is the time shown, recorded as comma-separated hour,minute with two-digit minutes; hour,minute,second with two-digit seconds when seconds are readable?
11,43
